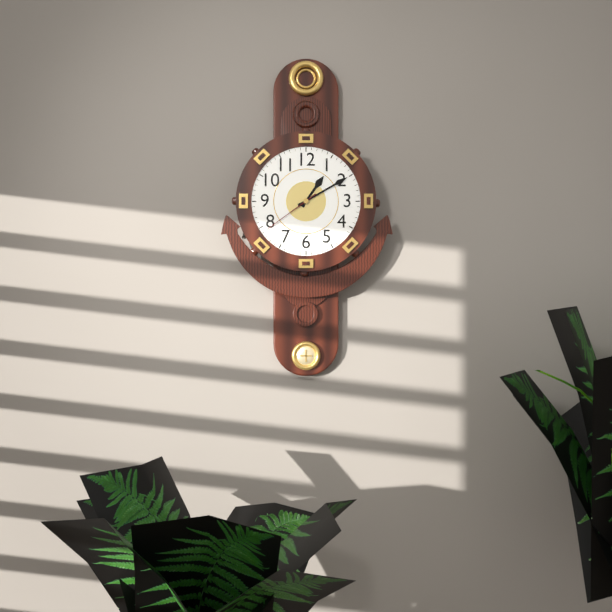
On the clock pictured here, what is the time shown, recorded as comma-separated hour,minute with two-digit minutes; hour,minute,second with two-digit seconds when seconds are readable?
1,10,39
